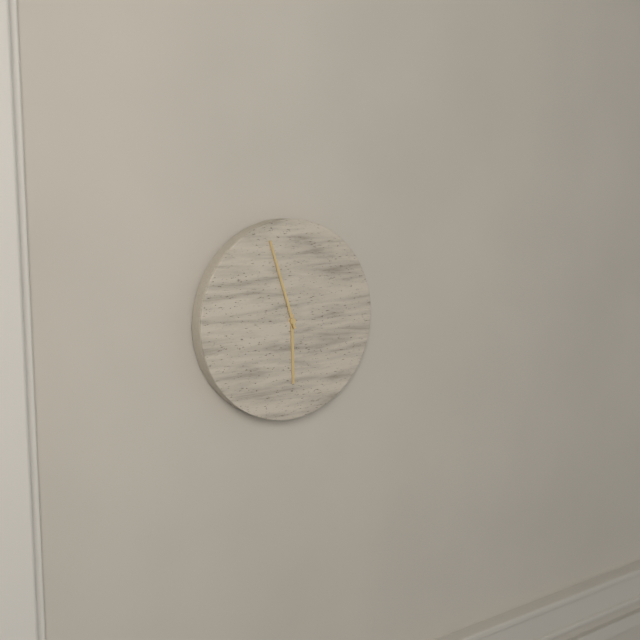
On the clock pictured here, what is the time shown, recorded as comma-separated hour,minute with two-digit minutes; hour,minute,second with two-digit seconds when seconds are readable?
5,57
